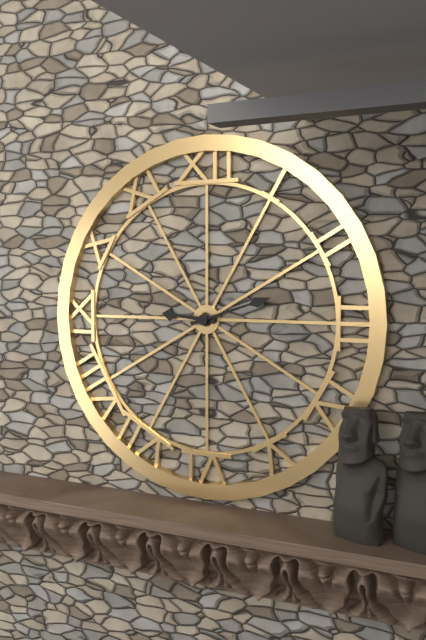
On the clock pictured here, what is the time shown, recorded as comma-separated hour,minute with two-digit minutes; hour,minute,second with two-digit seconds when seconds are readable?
9,12
